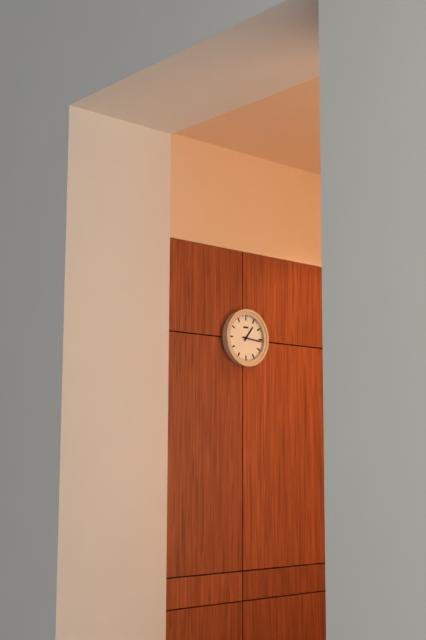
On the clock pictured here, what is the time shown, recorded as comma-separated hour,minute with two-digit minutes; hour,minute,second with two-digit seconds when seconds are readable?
1,16
